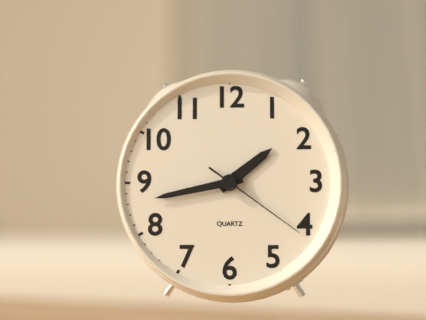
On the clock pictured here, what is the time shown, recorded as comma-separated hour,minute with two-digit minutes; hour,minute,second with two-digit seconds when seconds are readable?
1,43,21
